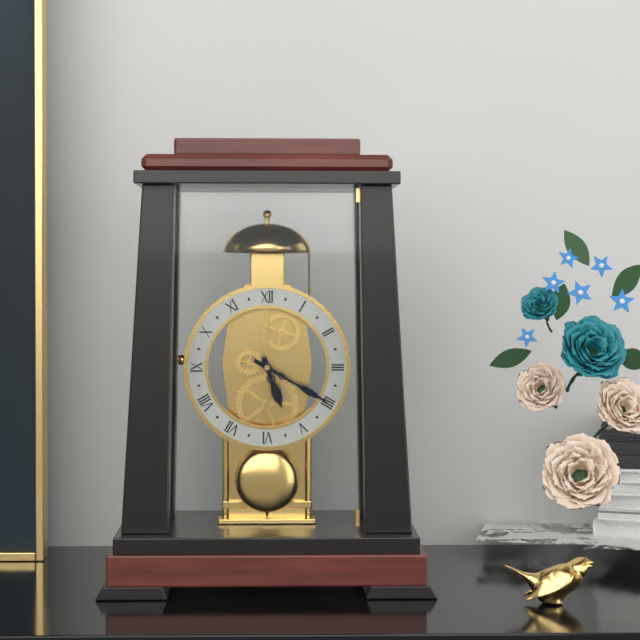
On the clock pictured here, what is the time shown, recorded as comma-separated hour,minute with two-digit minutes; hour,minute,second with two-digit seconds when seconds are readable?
5,20
